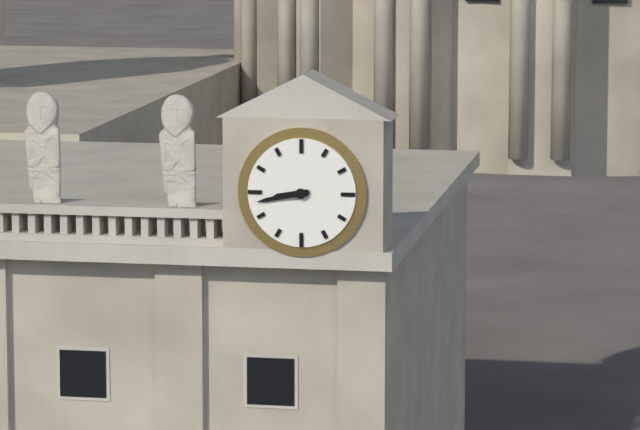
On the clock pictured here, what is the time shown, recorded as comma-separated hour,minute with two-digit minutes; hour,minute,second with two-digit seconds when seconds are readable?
8,43
